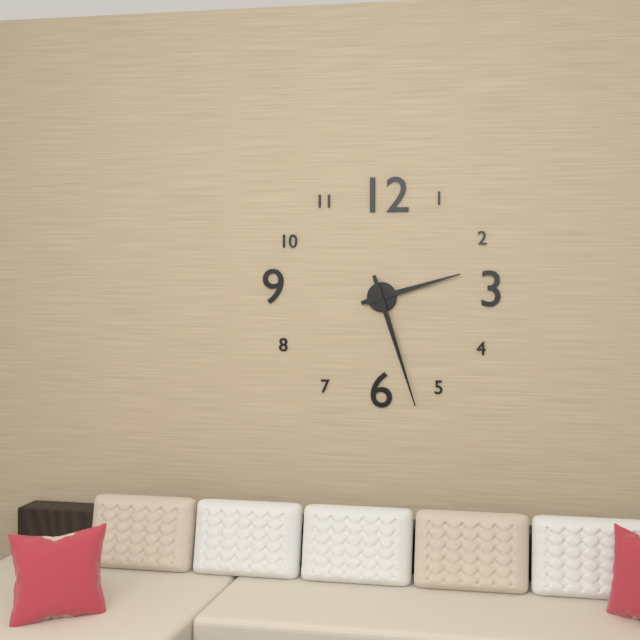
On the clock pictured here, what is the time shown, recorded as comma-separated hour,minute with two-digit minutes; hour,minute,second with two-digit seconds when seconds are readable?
2,27
